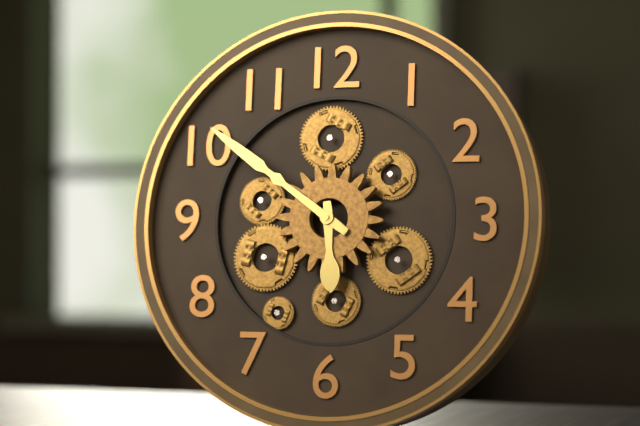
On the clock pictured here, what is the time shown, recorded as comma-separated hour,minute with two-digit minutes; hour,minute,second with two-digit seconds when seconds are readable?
5,51
